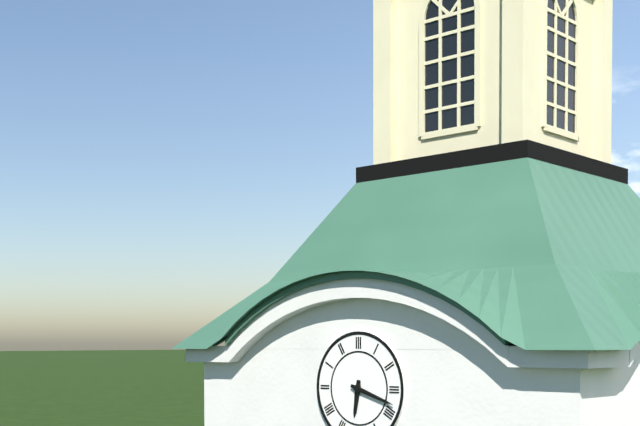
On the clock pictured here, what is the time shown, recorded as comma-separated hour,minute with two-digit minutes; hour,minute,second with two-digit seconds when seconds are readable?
6,18
